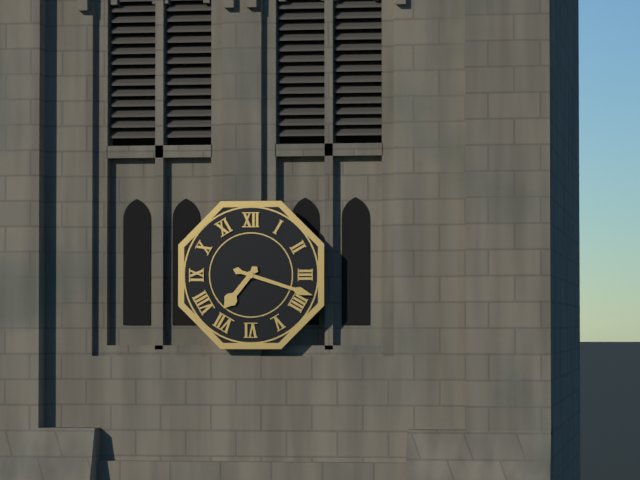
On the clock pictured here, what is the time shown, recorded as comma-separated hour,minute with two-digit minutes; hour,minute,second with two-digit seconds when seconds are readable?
7,18
